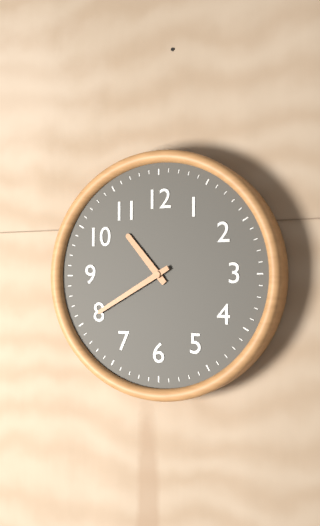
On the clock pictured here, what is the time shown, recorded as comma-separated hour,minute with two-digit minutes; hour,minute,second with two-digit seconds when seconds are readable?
10,40
